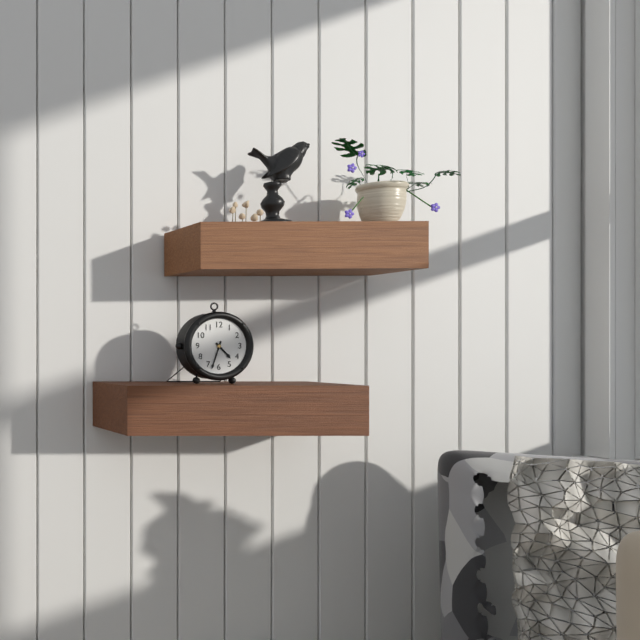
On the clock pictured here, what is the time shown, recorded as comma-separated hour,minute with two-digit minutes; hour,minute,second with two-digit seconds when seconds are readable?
4,33
